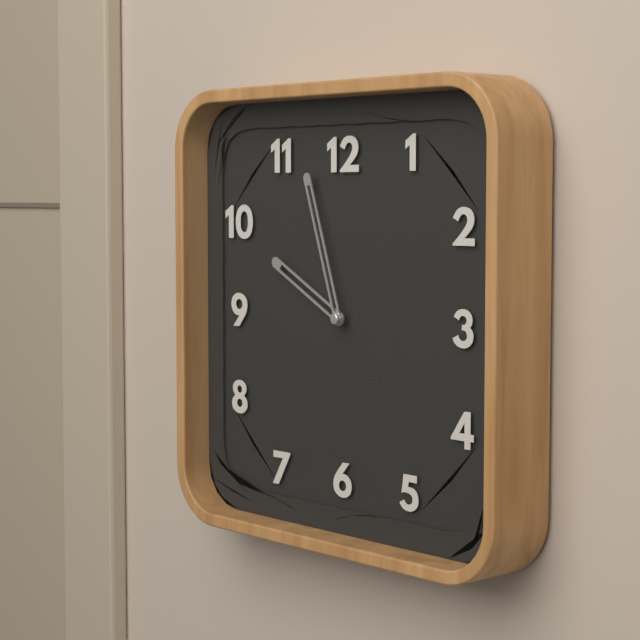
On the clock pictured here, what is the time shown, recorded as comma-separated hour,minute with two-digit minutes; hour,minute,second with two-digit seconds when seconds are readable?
9,57
